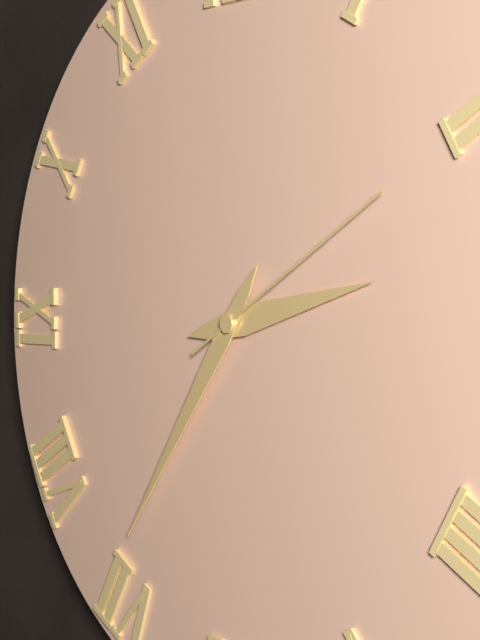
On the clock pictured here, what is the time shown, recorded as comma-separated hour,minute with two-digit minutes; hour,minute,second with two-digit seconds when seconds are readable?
2,36,10
